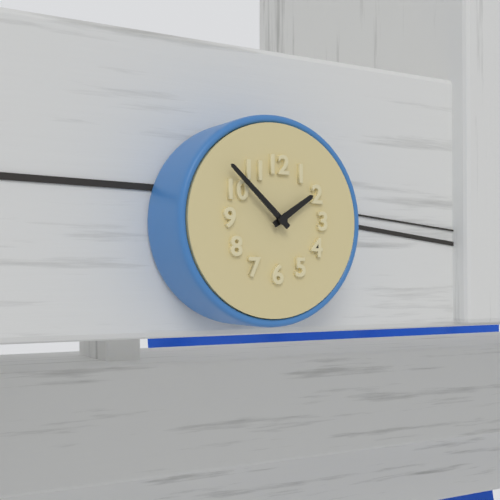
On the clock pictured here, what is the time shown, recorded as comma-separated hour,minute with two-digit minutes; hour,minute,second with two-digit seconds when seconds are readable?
1,52
